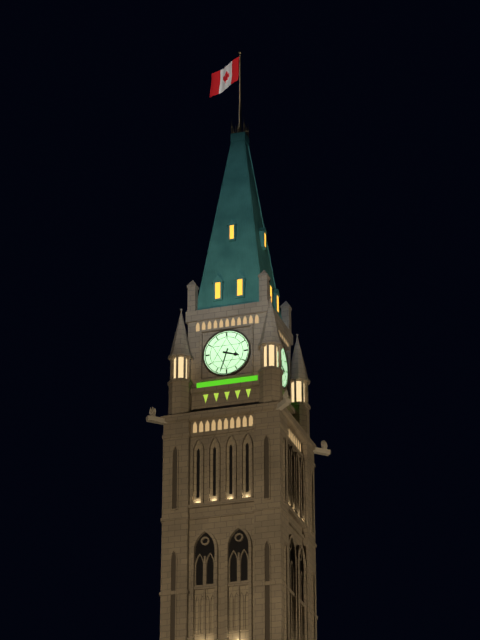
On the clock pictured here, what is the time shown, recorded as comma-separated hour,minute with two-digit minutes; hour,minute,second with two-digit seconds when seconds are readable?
3,33
